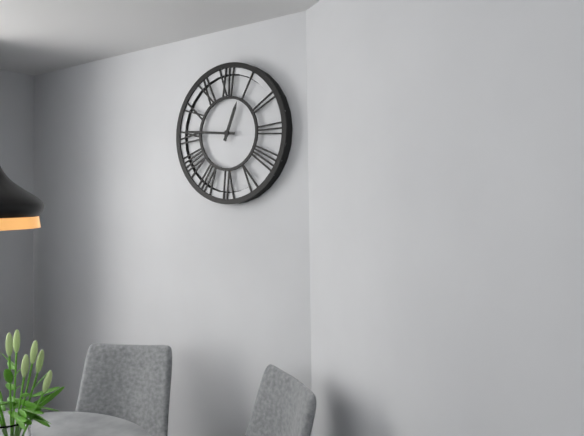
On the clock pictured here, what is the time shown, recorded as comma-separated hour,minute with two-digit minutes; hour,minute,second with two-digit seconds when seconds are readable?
12,46
